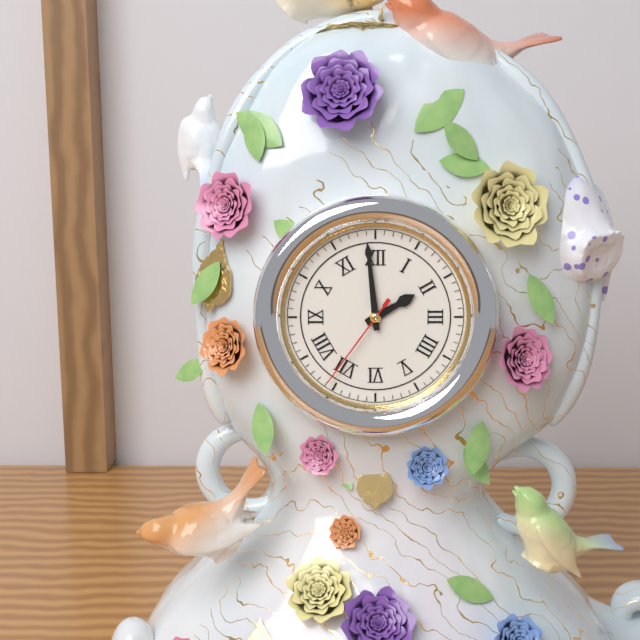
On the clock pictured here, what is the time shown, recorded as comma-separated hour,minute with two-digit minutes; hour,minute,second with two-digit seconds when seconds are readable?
1,59,36
